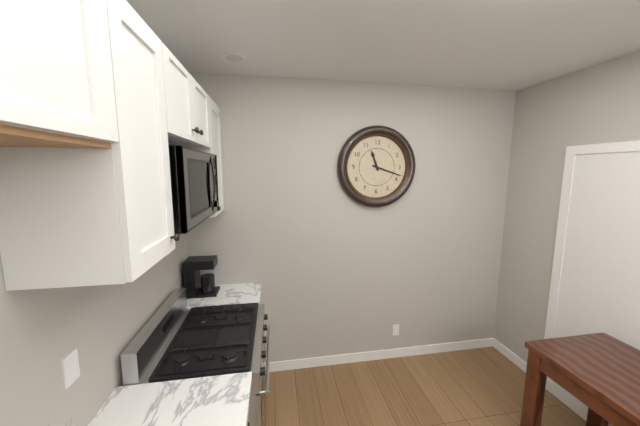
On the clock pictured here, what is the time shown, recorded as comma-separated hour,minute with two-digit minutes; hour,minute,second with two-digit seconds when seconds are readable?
11,18
